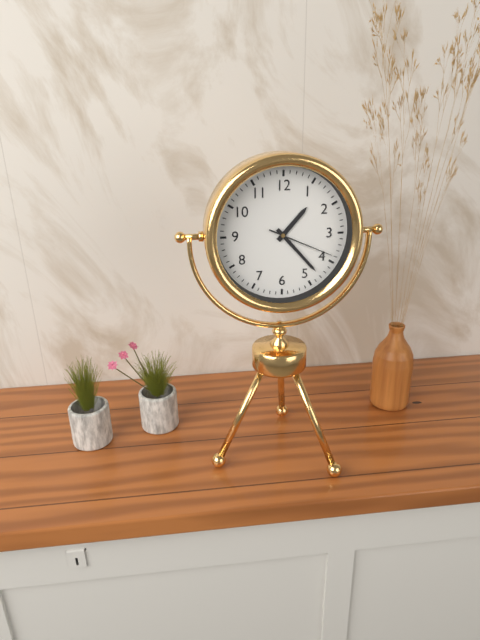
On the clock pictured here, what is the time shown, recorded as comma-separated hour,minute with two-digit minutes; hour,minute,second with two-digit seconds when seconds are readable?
1,23,19
